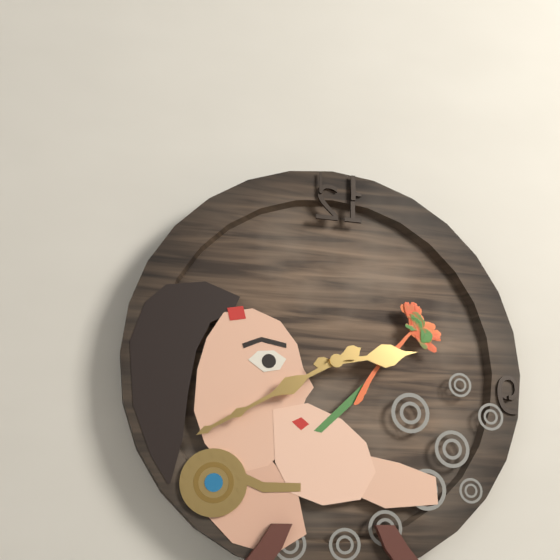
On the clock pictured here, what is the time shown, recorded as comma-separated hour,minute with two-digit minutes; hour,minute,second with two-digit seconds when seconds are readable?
2,40
